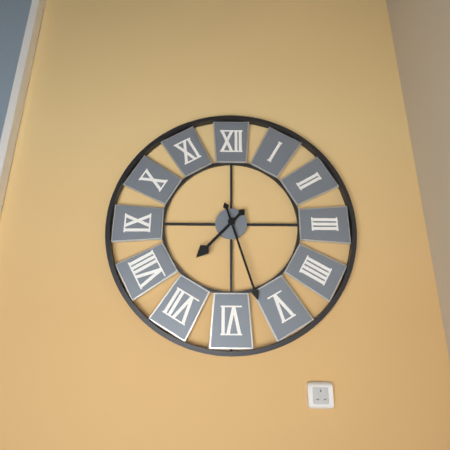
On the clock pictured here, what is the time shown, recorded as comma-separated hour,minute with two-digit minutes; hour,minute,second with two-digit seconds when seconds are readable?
7,27
